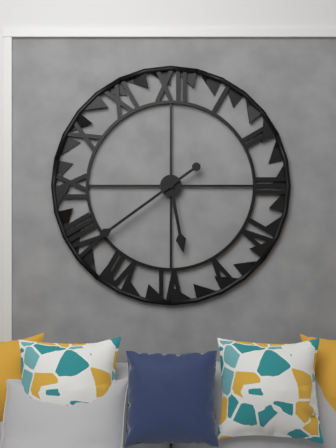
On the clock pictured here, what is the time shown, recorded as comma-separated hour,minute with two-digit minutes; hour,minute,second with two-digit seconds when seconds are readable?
5,39
